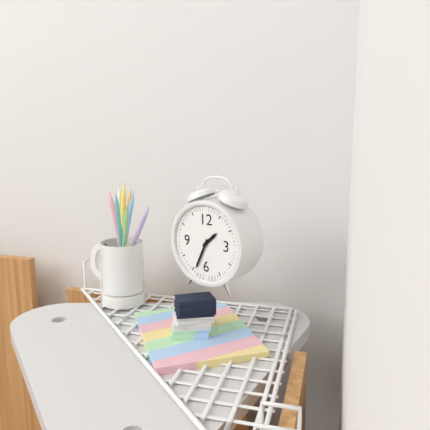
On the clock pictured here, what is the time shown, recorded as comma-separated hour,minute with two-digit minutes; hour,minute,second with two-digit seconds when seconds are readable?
1,34
